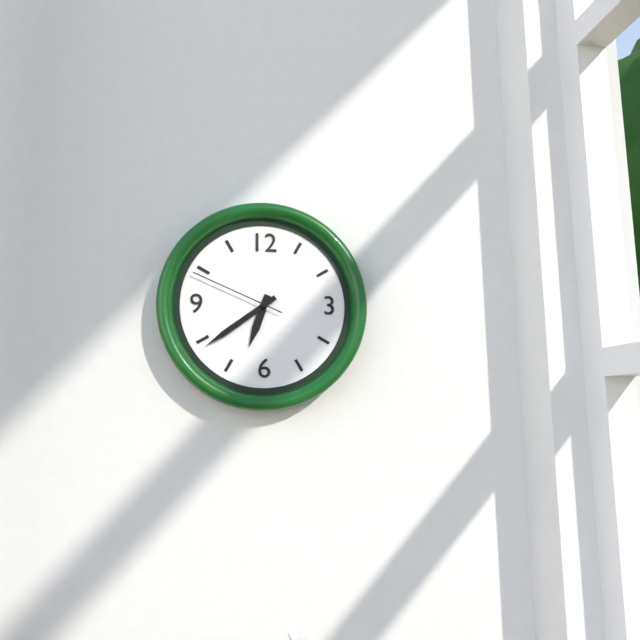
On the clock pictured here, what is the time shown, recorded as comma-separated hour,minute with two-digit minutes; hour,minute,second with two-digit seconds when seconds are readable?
6,39,49
